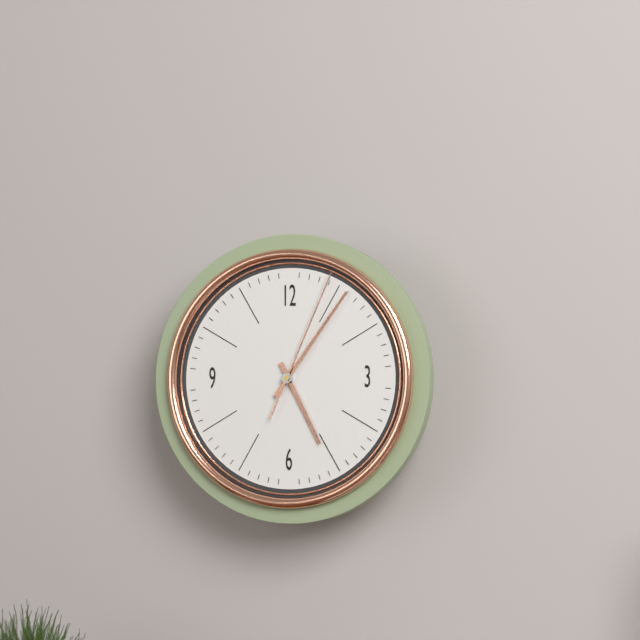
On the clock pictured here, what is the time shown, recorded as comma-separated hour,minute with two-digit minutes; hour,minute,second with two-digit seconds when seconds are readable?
5,06,04
